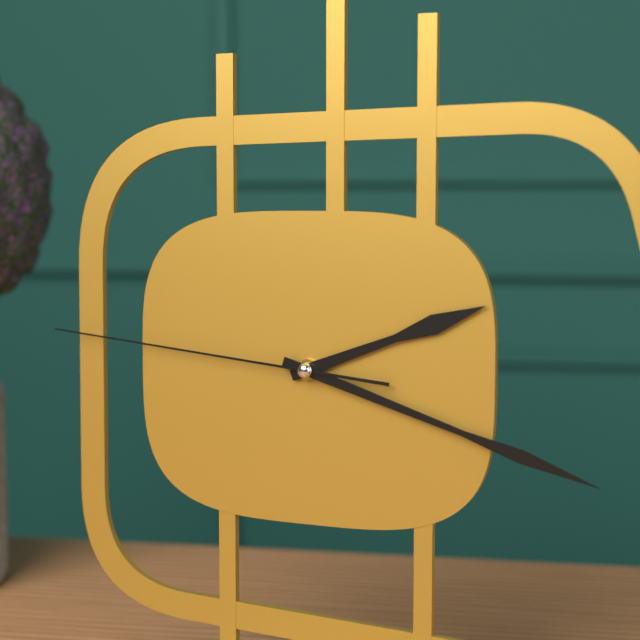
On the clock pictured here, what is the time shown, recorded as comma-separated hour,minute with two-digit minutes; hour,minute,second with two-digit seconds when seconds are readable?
2,18,46
